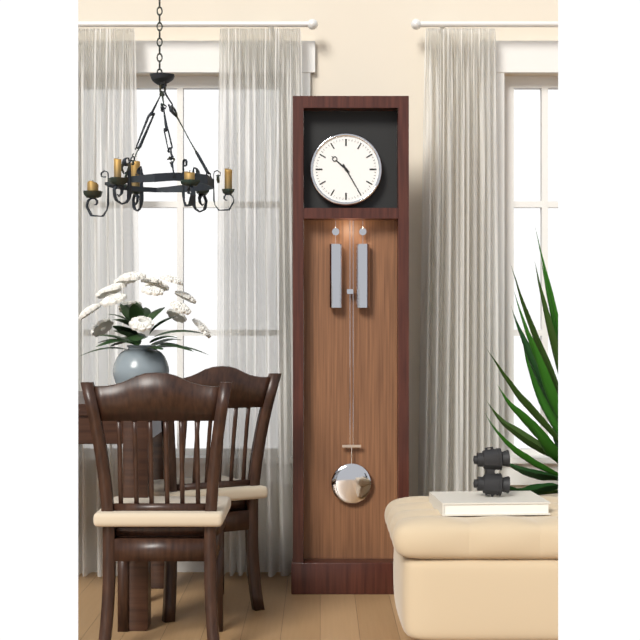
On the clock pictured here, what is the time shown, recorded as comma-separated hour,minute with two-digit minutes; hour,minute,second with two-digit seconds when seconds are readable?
10,25
